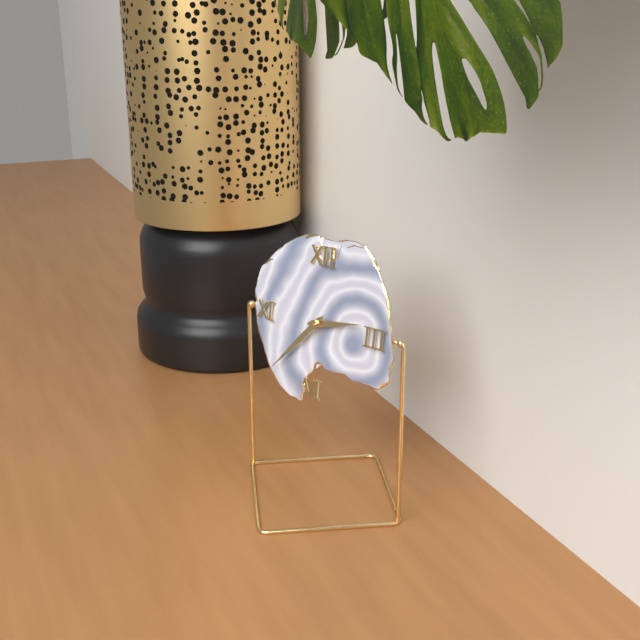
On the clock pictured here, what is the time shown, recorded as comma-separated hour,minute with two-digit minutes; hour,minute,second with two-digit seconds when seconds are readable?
2,37
